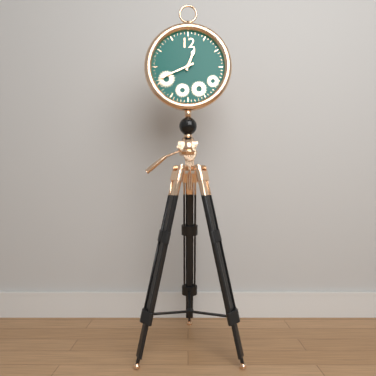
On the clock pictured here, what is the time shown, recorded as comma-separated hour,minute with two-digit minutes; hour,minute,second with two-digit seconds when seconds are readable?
12,41
